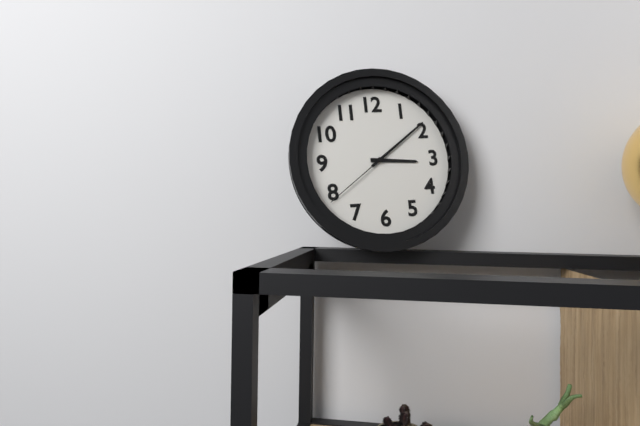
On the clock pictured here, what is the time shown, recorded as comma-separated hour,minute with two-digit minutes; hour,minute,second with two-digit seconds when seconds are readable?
3,09,39
